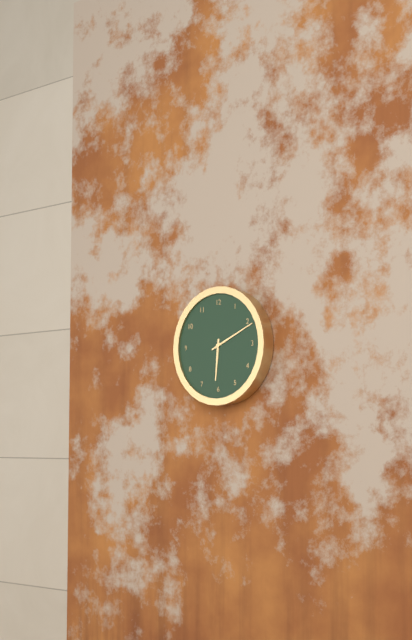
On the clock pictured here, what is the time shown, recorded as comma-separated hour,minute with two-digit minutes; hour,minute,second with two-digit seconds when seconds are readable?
6,11
